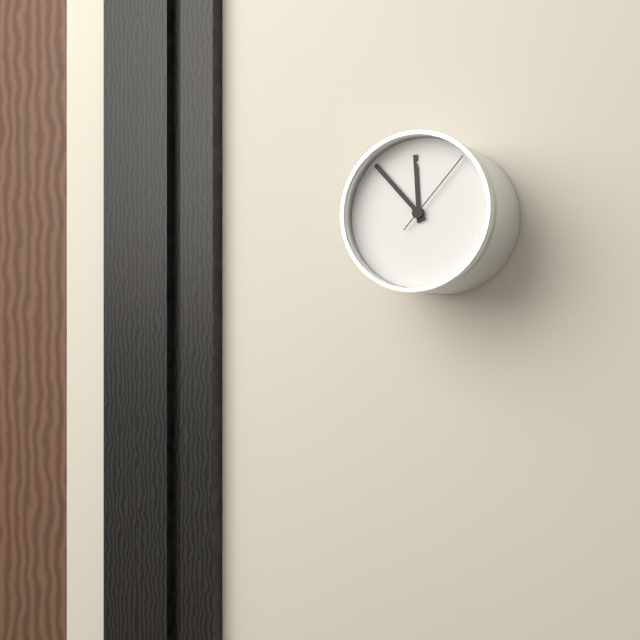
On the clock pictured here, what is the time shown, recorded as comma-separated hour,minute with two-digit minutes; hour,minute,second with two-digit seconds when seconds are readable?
11,53,07
